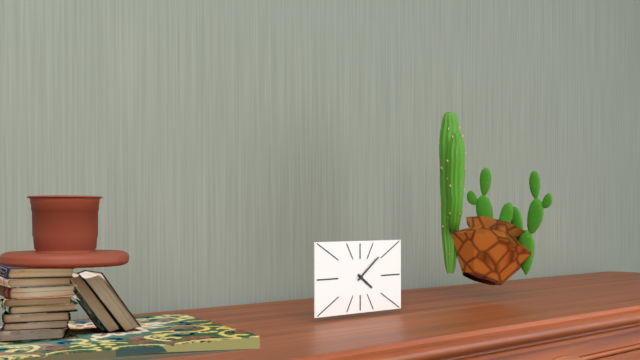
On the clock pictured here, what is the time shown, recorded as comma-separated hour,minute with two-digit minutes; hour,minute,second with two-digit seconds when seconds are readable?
4,09
